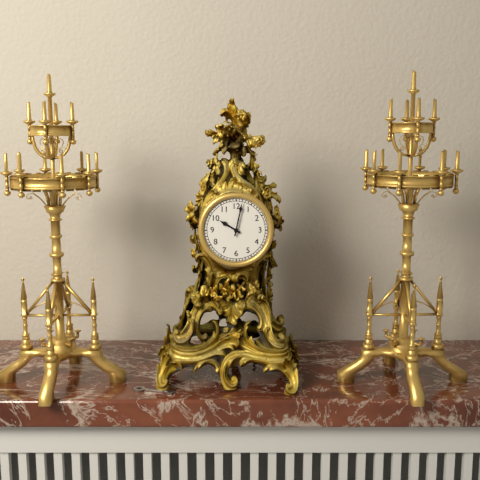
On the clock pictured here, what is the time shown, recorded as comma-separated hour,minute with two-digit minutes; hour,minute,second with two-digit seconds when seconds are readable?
10,02
